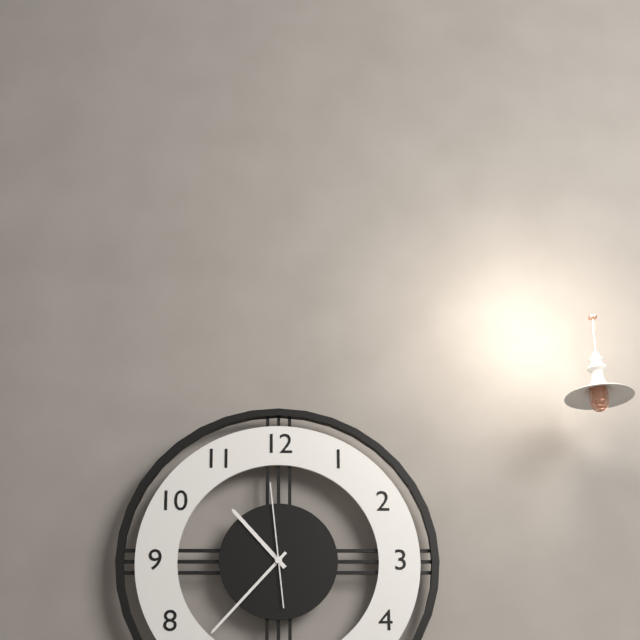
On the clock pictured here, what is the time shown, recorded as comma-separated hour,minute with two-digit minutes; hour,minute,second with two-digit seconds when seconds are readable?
10,37,59
